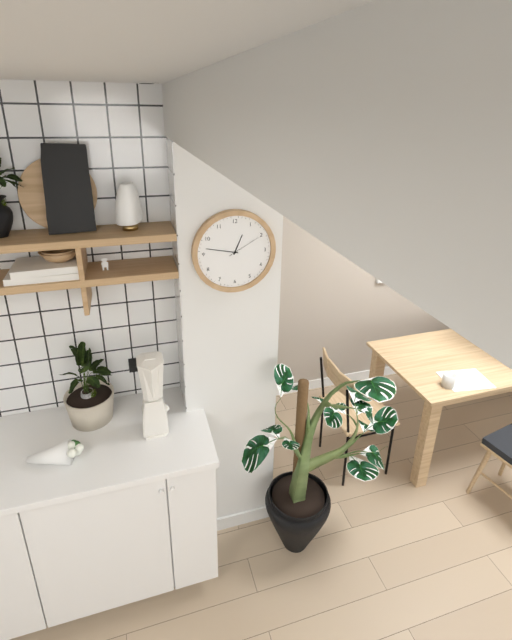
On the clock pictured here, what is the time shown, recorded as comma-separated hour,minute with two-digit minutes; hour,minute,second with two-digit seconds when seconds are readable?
12,47
